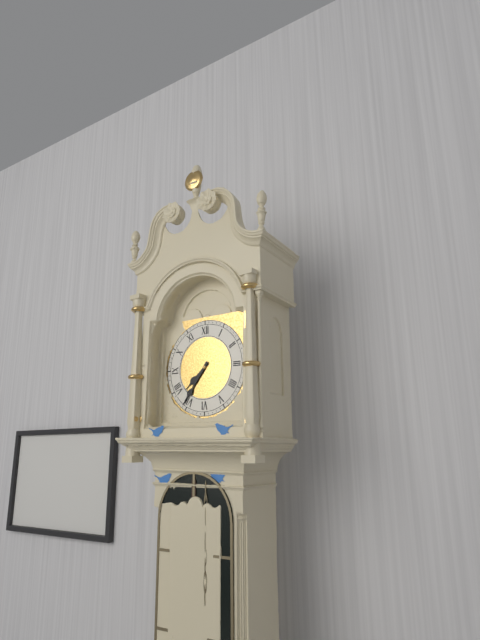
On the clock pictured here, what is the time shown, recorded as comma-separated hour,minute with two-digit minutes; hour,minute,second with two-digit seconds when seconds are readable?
7,36
